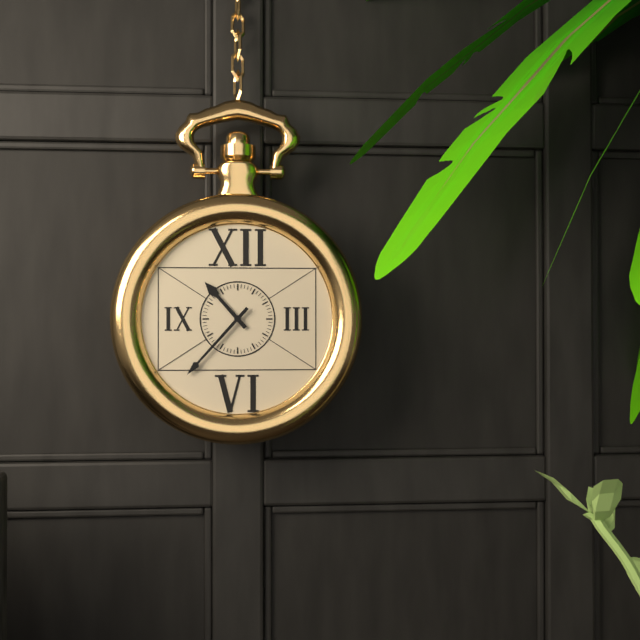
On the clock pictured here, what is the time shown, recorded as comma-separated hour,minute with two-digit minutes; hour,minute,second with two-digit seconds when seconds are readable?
10,37
